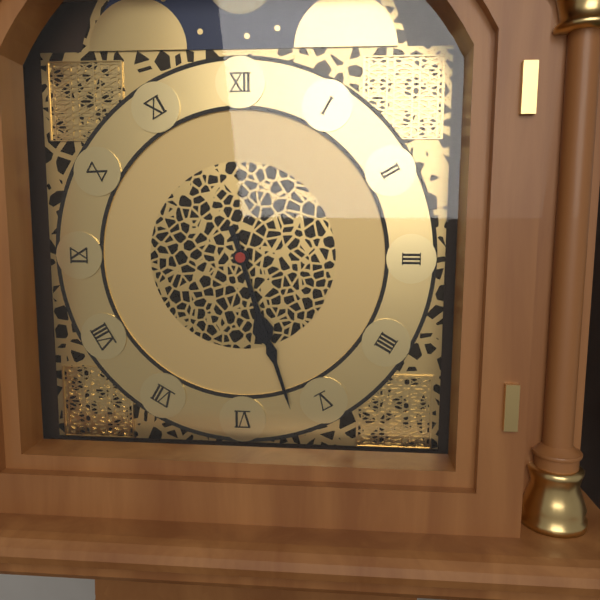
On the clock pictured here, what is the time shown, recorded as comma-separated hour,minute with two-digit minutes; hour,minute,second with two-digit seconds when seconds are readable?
5,27
